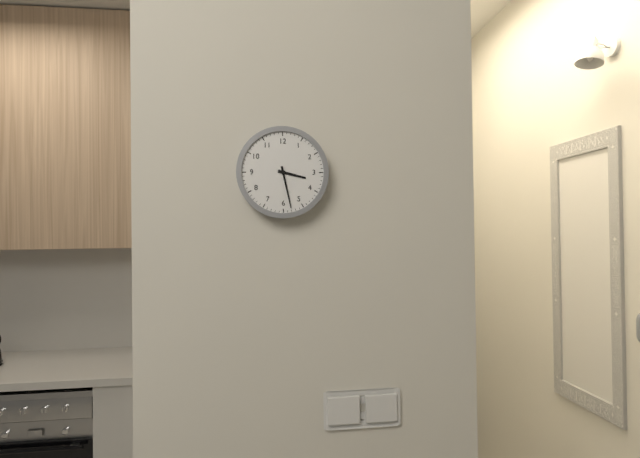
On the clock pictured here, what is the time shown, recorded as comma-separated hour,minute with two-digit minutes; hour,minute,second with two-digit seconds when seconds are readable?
3,28
